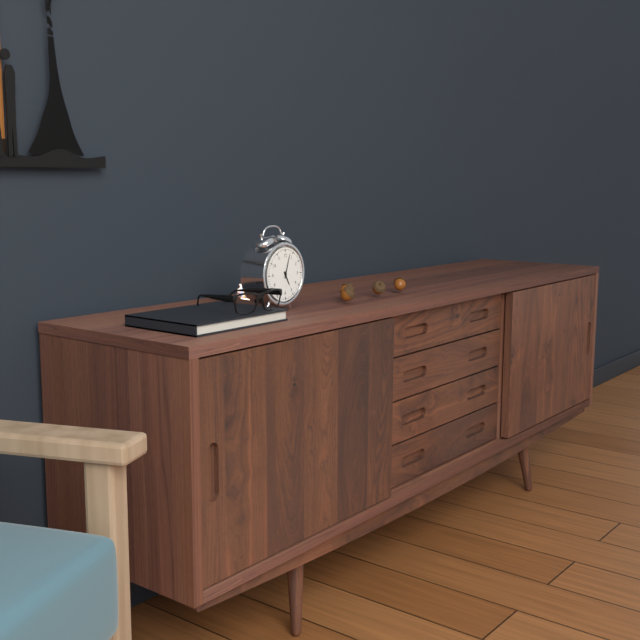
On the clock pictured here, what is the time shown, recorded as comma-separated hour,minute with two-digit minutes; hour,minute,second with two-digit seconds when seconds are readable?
5,03
